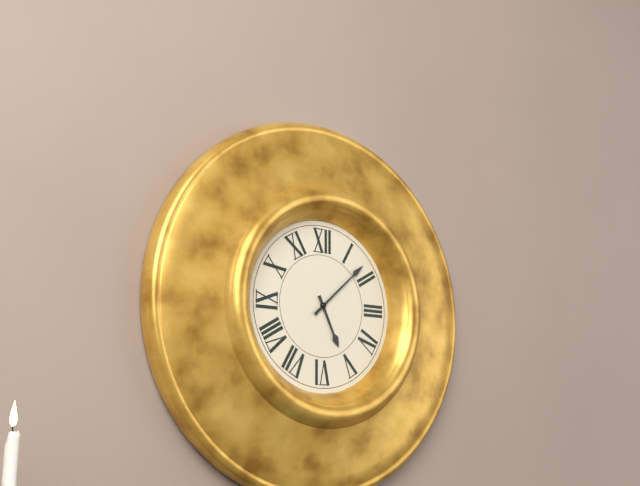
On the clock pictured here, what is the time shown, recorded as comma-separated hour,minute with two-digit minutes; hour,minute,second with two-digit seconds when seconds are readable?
5,08
